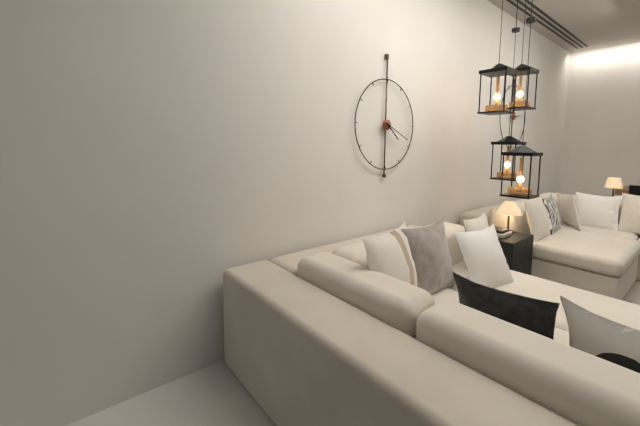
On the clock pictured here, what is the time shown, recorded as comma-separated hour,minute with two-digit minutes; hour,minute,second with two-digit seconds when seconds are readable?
4,19
